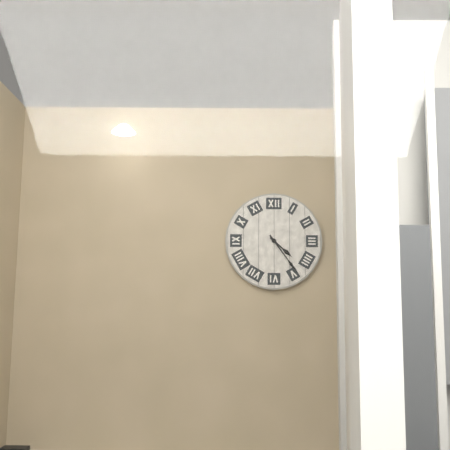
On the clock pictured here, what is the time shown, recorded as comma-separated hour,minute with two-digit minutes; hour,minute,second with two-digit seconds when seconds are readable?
4,24
